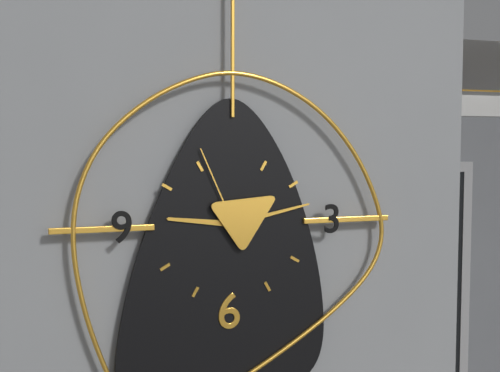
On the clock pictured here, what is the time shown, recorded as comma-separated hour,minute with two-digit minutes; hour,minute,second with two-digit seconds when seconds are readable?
9,13,56
